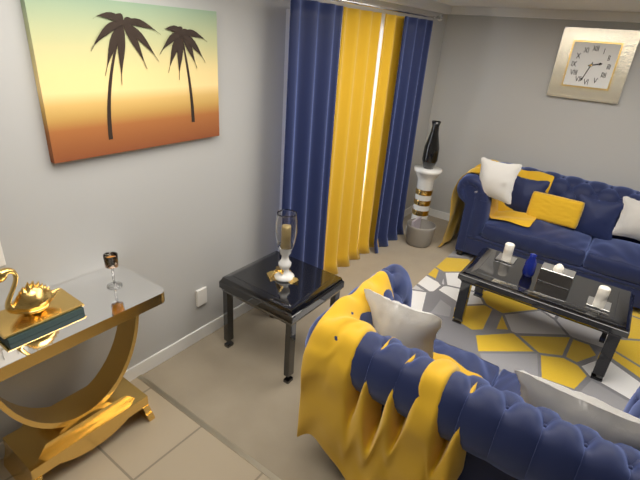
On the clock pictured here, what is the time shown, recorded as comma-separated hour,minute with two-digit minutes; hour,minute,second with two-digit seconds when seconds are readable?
2,33
